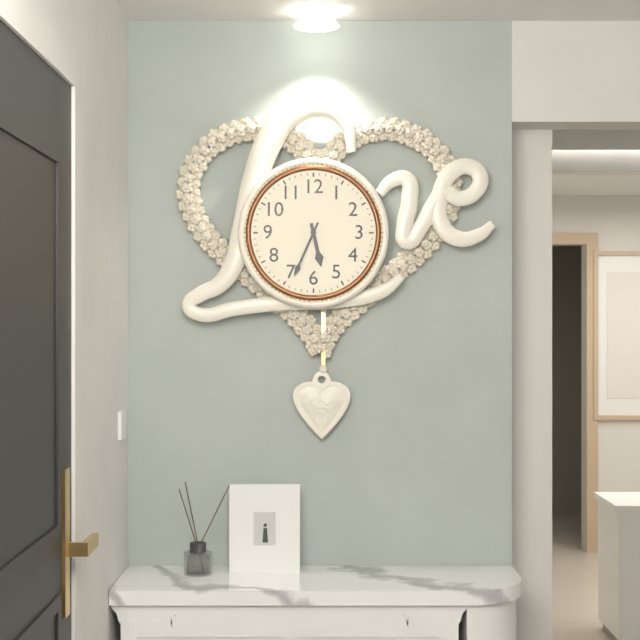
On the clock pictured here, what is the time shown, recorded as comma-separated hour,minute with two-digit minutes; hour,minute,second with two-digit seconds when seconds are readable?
5,34
